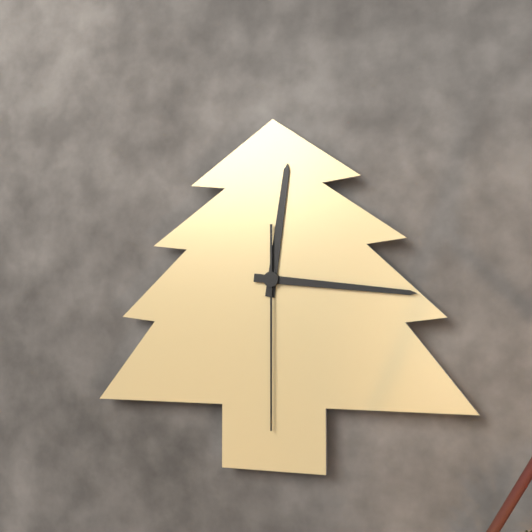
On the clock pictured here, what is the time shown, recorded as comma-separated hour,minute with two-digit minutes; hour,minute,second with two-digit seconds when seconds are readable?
12,16,30
